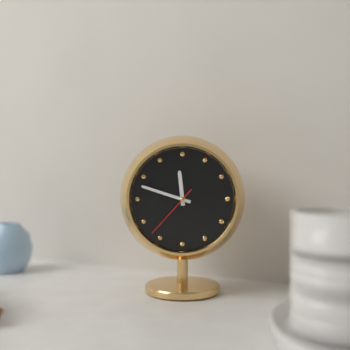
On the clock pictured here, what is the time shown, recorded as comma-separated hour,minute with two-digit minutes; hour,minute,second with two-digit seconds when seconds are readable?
11,48,37
